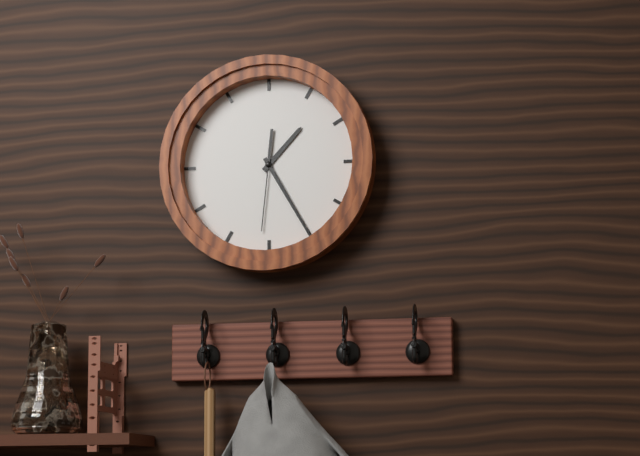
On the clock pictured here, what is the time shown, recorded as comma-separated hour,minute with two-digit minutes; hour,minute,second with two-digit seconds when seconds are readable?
1,25,31
